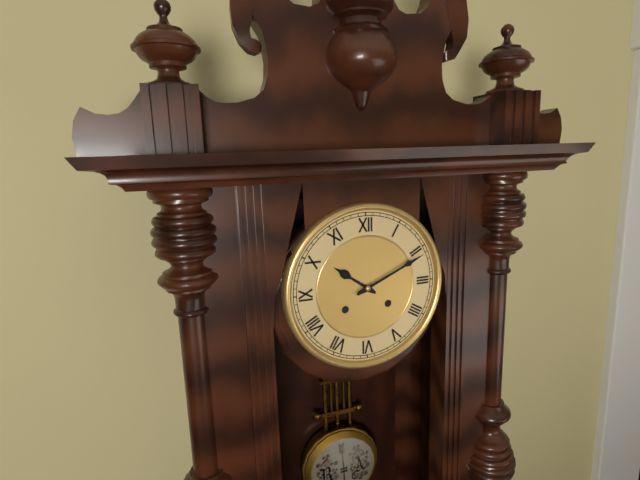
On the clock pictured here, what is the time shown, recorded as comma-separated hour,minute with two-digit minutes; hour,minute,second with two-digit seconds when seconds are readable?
10,11
